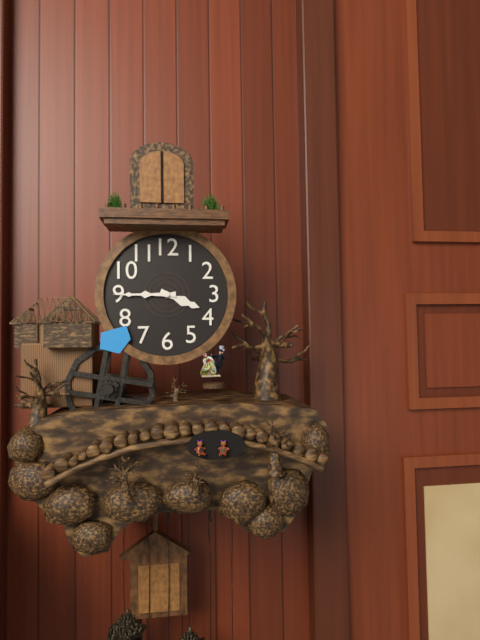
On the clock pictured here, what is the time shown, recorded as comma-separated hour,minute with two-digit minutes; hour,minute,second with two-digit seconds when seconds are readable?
3,45
